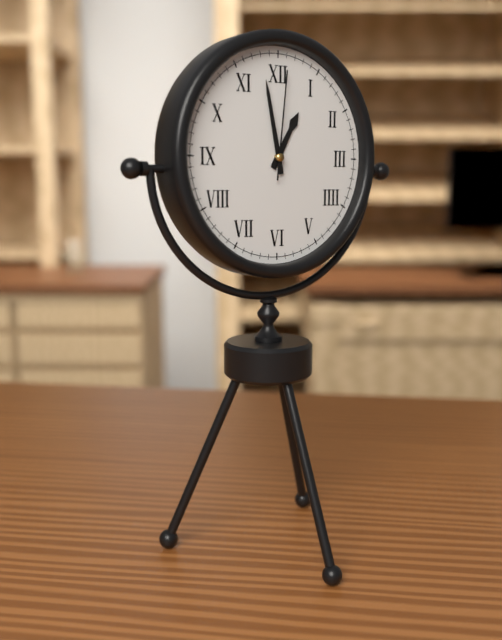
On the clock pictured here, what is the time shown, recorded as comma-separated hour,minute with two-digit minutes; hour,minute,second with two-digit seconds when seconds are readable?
12,58,01
